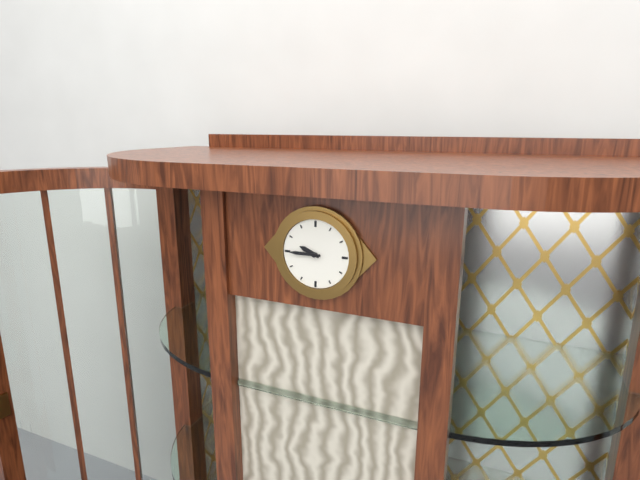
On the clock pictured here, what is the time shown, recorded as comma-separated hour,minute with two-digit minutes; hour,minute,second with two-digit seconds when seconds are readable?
9,45
